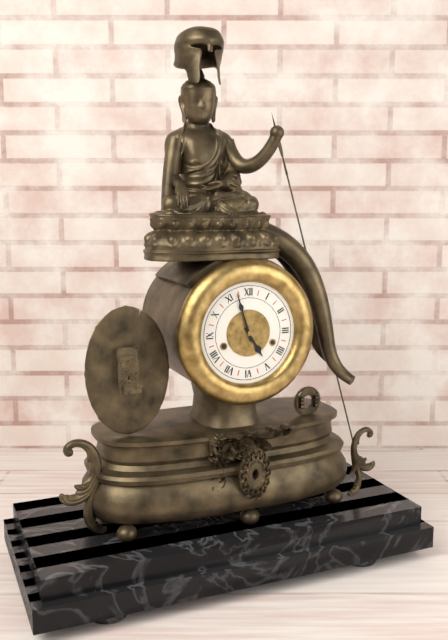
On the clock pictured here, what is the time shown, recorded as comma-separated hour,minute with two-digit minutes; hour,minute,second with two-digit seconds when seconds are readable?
4,57
